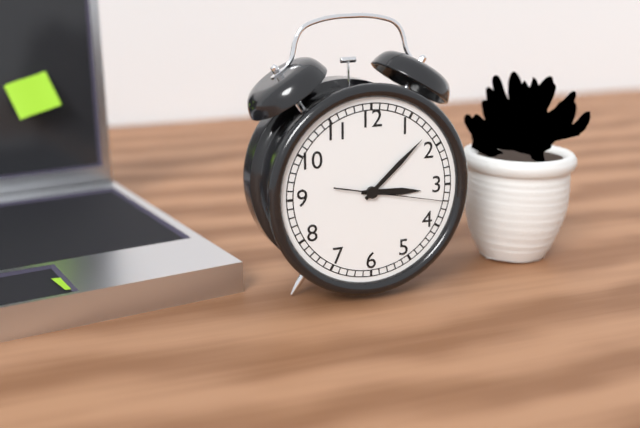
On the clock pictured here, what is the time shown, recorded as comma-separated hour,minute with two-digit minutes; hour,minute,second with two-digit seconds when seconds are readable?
3,08,17
